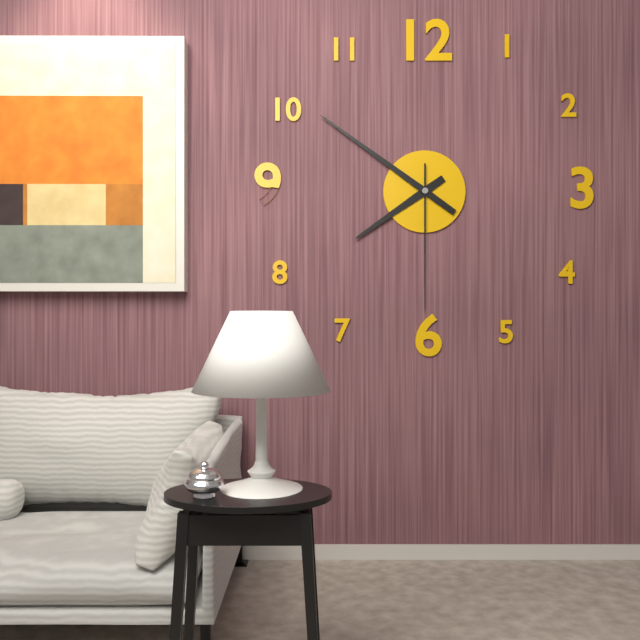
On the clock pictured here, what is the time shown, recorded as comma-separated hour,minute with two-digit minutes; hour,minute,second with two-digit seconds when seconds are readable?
7,51,30
